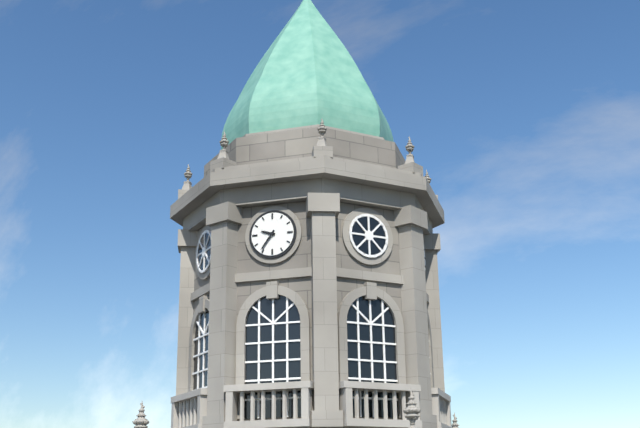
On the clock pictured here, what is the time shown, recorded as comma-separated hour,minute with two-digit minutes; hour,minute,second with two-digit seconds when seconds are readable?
9,36
